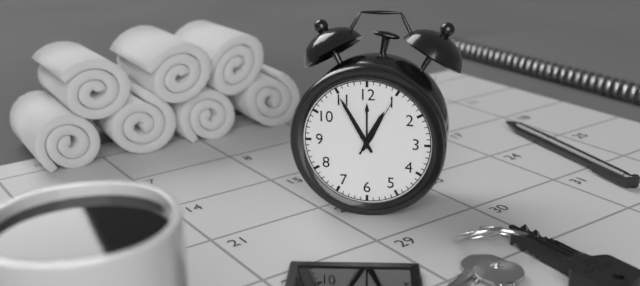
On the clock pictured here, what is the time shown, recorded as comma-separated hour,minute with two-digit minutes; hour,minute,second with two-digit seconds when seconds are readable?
12,55,05
